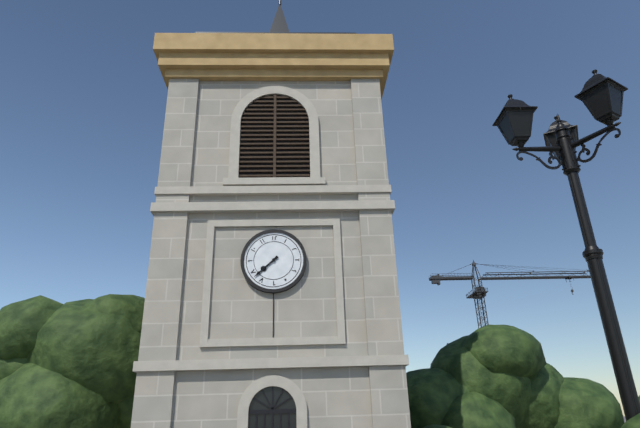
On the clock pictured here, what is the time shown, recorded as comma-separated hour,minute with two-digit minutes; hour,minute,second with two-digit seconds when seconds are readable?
7,38
